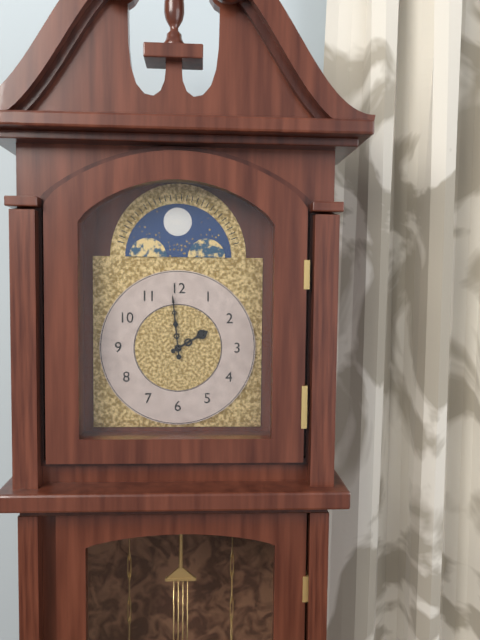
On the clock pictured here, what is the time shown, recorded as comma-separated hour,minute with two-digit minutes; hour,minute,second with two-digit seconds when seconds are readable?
1,59
